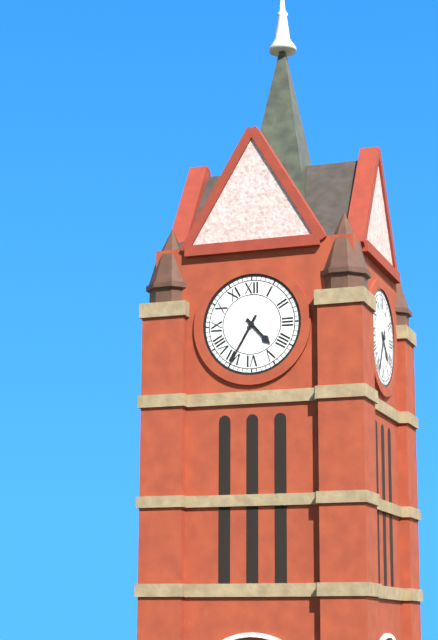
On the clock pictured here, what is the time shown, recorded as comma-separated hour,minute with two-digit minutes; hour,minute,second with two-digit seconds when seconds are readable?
4,35
